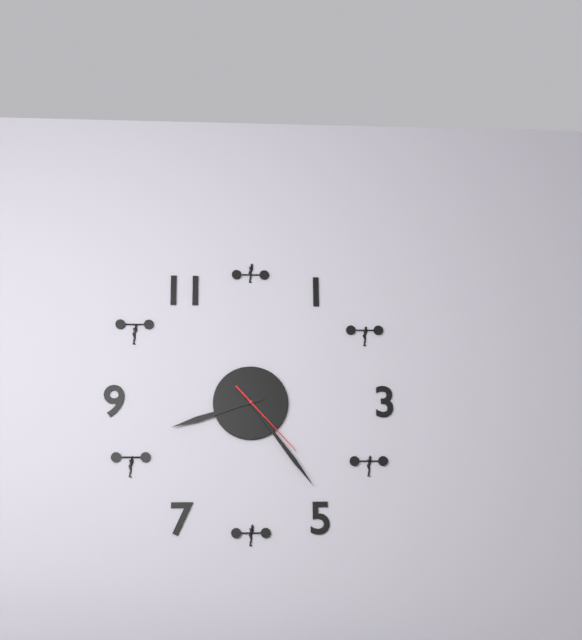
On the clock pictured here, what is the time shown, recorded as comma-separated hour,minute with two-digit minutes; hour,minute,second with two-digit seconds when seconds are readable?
8,24,23
